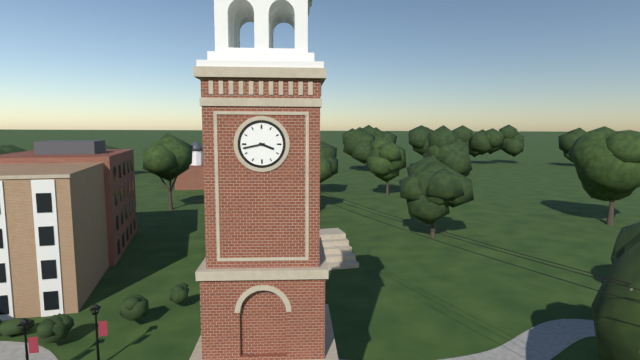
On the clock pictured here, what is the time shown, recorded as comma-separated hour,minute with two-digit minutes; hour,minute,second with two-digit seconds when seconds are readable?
3,43
